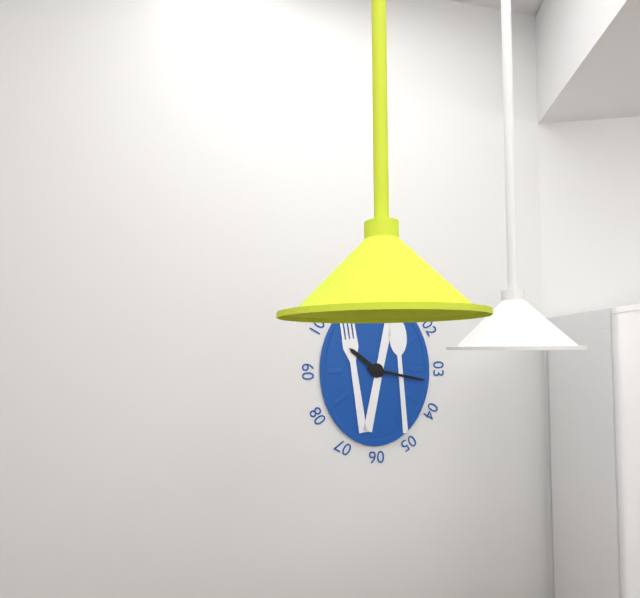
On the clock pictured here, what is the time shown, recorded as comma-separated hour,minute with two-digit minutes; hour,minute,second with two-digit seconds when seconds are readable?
10,17
